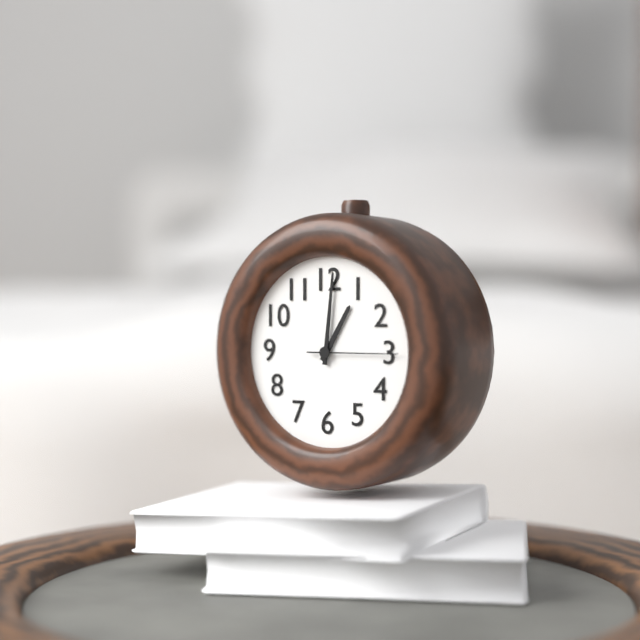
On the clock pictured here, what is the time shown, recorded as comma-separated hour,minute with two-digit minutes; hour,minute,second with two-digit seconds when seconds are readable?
1,01,15
